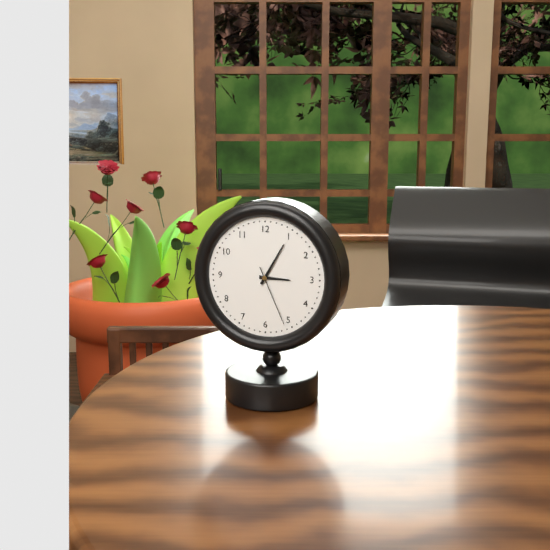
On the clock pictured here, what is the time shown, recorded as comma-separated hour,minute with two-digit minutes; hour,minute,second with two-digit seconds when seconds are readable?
3,05,26
